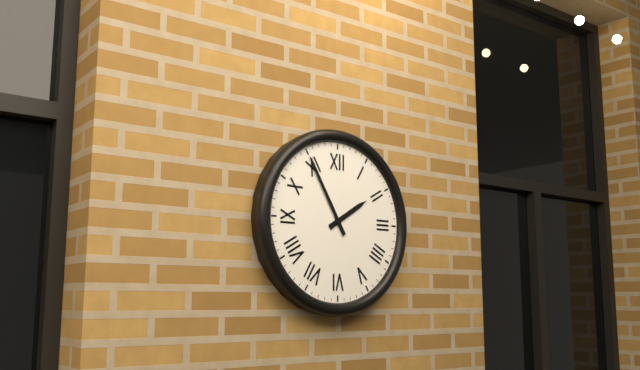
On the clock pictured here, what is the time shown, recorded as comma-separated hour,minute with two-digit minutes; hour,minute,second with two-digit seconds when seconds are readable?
1,55
